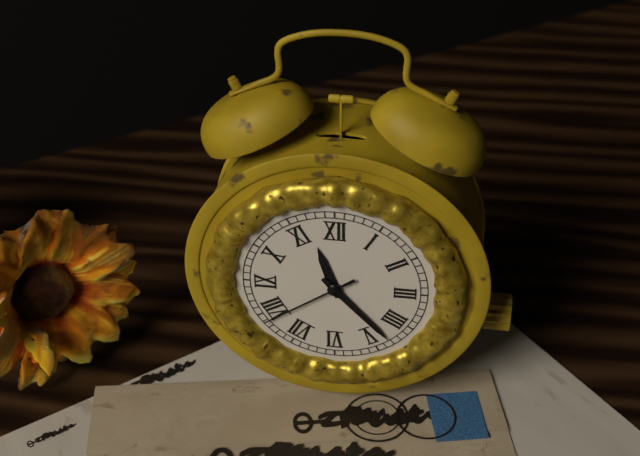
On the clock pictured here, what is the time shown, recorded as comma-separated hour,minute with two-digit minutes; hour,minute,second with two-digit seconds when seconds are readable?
11,23,39
